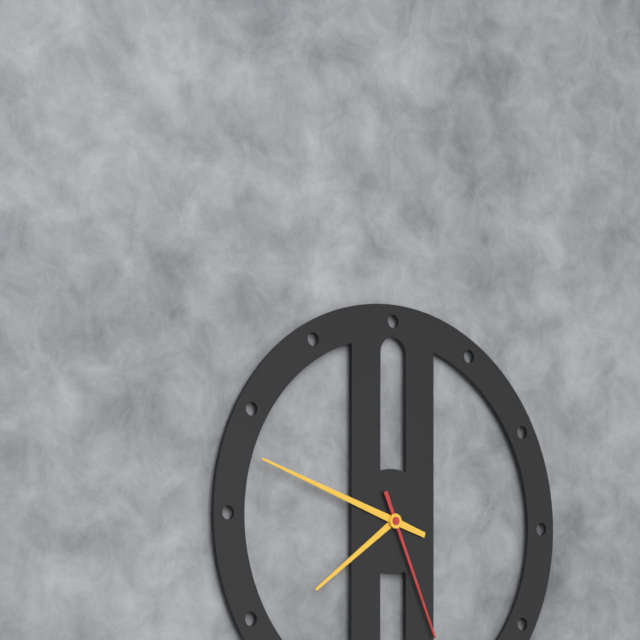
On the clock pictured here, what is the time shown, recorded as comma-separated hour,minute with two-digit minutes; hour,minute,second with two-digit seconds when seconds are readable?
7,48,26
